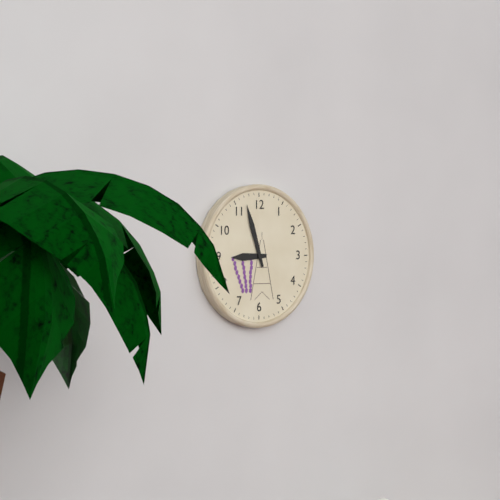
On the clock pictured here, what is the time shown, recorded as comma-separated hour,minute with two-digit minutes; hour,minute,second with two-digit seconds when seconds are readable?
8,57
